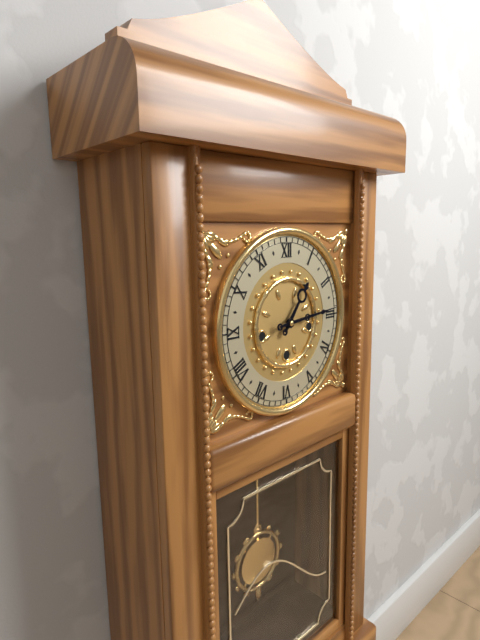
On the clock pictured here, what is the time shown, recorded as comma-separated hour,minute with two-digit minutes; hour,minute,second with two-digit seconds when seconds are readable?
1,14
